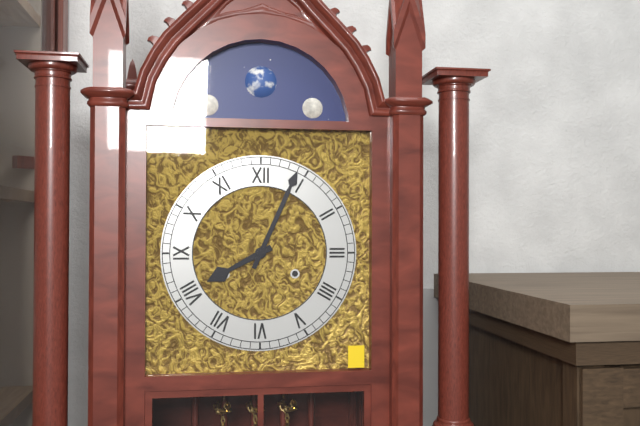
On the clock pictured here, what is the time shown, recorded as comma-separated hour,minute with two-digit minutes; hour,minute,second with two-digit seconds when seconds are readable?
8,04
